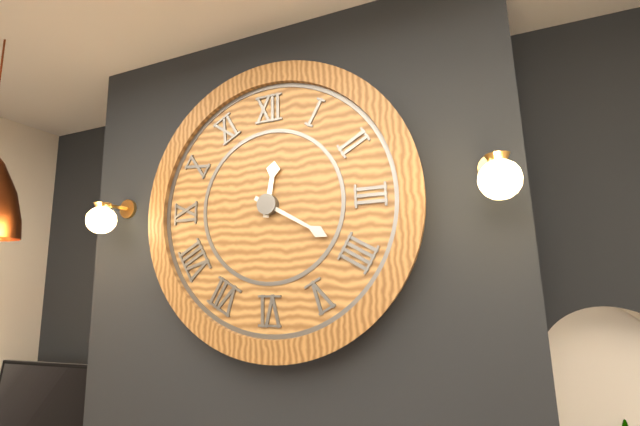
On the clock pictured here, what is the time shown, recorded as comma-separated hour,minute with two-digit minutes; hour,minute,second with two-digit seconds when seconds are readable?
12,20
